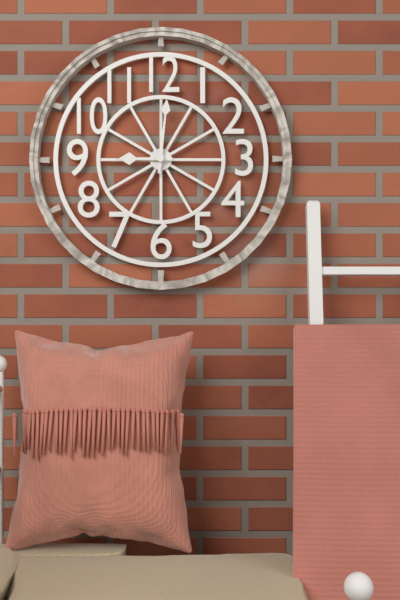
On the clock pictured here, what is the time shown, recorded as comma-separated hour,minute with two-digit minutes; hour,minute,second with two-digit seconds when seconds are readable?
9,01
